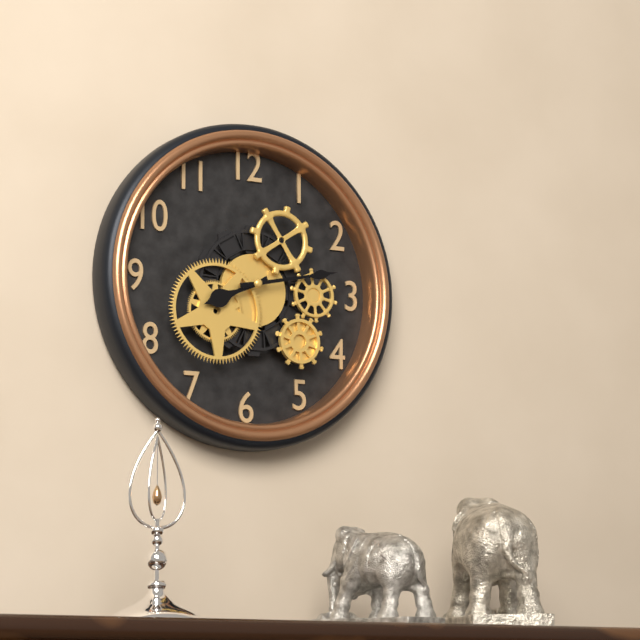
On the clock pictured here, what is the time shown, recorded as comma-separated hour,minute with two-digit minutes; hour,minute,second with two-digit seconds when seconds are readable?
8,13
